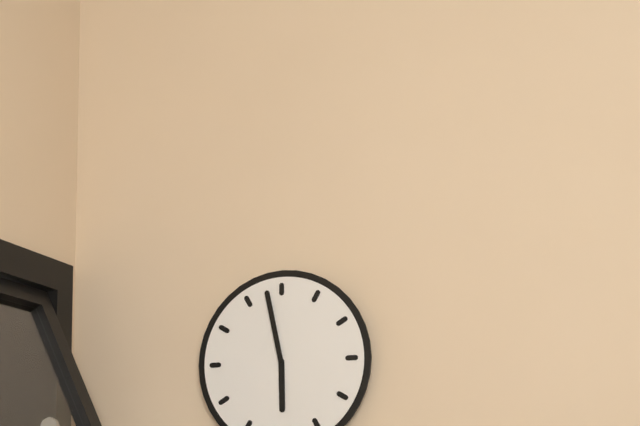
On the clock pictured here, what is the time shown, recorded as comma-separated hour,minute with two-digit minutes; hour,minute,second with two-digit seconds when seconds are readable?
5,58
